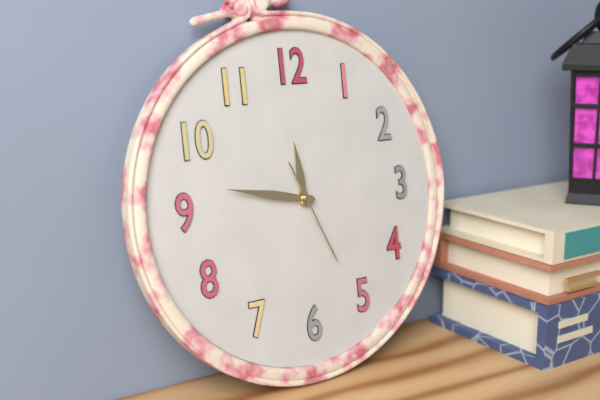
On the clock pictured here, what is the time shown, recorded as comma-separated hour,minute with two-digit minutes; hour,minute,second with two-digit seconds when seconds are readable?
11,47,26
